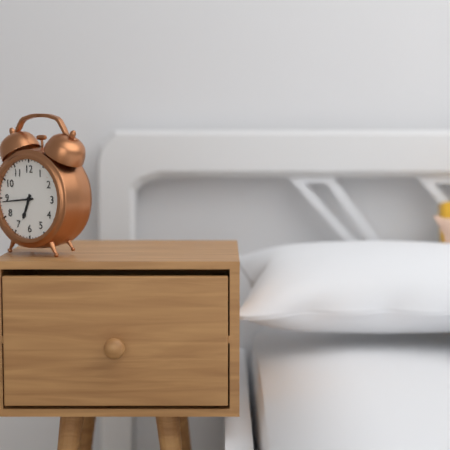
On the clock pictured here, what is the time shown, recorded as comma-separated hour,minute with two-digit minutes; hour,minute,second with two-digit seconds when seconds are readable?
6,44
